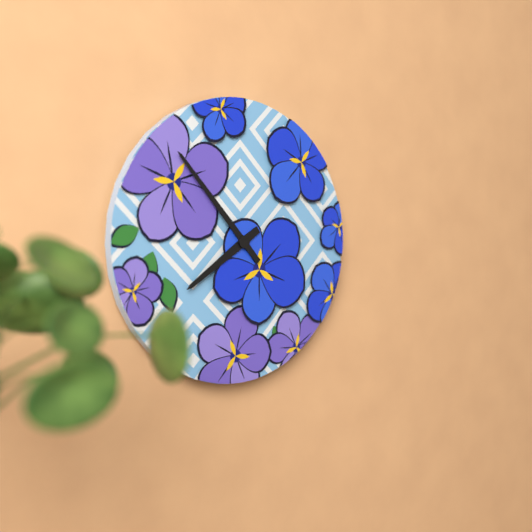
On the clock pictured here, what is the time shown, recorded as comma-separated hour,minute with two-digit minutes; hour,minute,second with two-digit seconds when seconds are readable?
7,53
